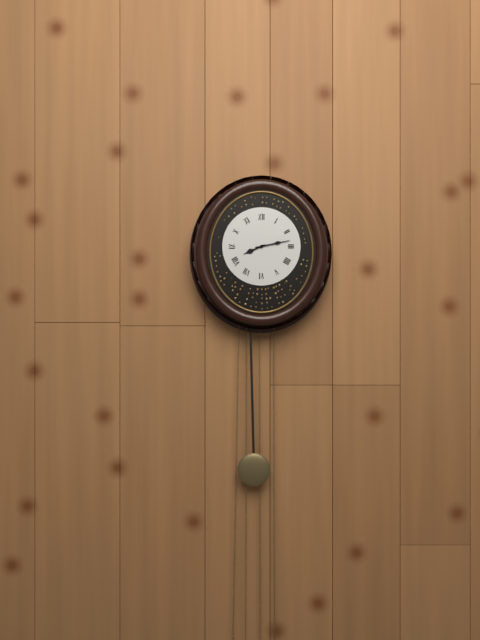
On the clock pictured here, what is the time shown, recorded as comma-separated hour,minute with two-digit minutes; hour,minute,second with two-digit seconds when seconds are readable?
8,13
